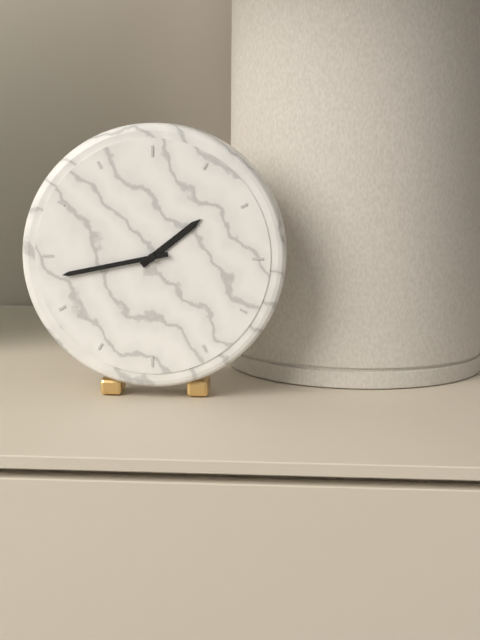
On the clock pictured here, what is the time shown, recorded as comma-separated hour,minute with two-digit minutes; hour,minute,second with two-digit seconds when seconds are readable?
1,43
